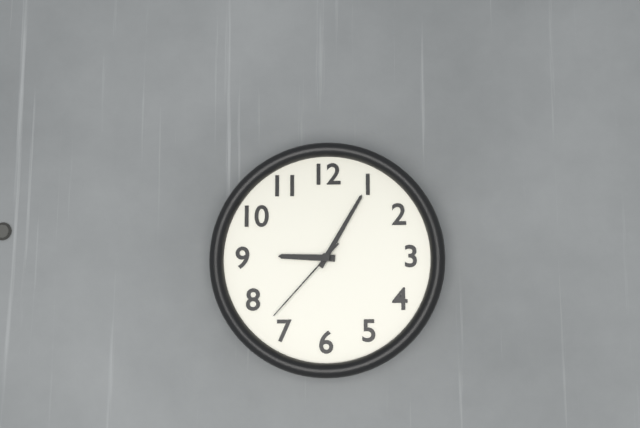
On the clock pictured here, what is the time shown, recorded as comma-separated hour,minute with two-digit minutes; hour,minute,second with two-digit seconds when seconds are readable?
9,05,37
